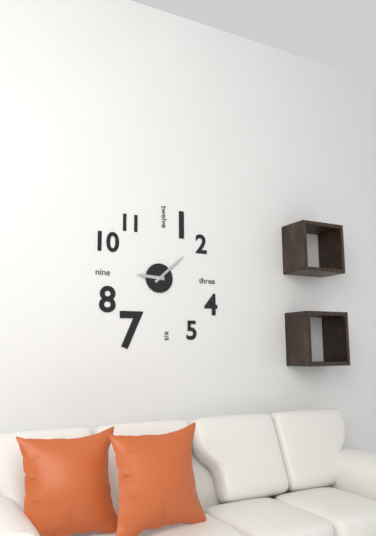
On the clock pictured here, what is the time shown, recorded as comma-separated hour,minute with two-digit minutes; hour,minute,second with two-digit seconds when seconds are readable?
9,08
